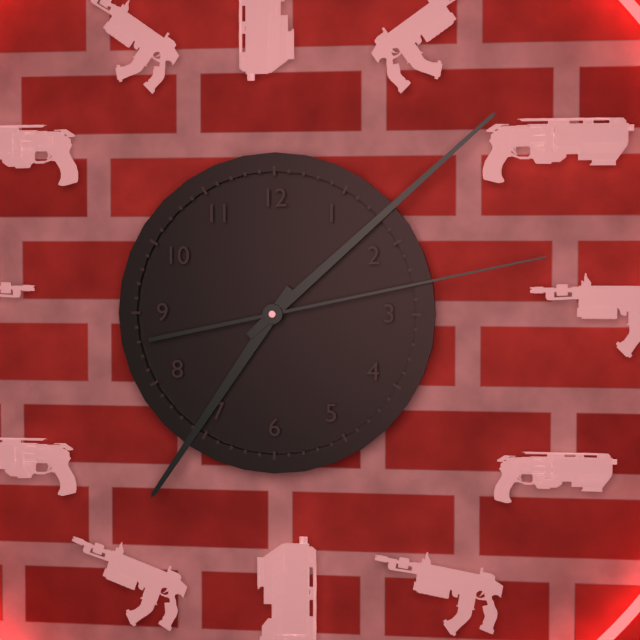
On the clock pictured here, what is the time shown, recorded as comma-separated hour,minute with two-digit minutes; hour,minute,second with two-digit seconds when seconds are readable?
7,08,13
